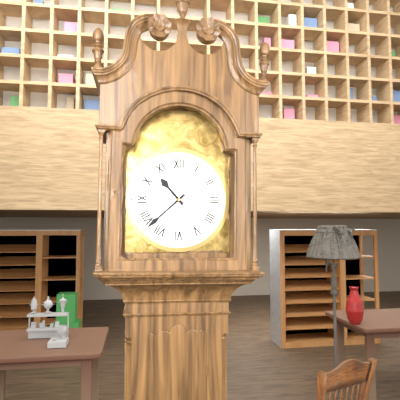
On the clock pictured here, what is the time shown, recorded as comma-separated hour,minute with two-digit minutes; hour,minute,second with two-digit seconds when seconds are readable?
10,38
